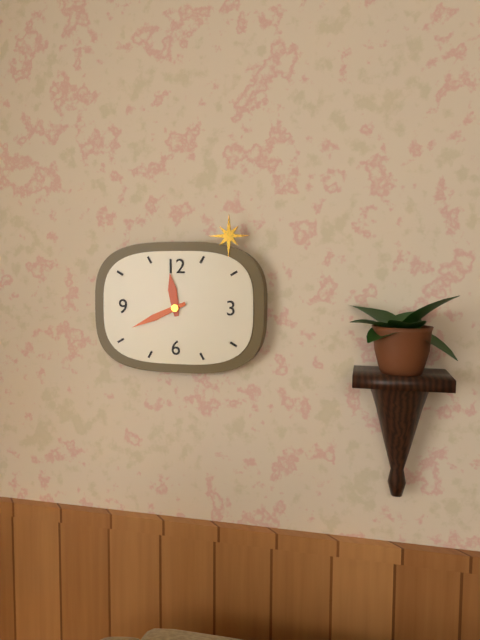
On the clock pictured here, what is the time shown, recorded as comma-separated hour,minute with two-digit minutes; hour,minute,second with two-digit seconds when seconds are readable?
11,41
